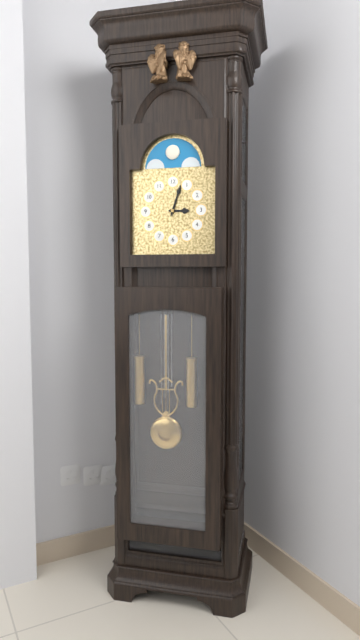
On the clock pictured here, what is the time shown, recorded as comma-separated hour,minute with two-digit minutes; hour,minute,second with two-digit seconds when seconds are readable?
3,03
